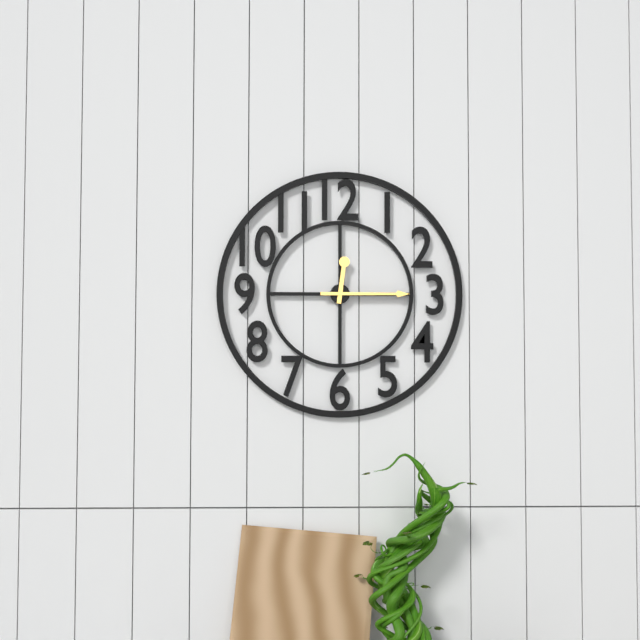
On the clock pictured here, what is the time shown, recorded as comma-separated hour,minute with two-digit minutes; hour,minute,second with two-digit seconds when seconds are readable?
12,15
